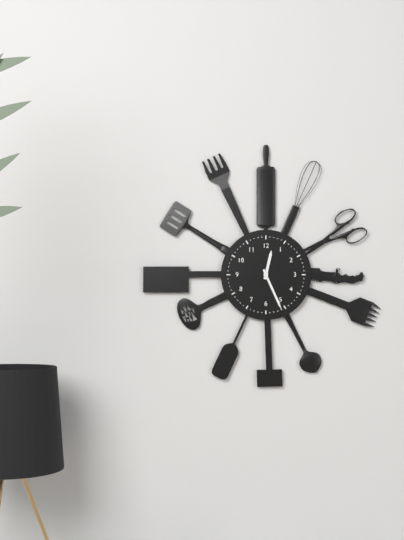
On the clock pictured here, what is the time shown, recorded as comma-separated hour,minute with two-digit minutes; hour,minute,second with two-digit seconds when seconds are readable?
12,26
